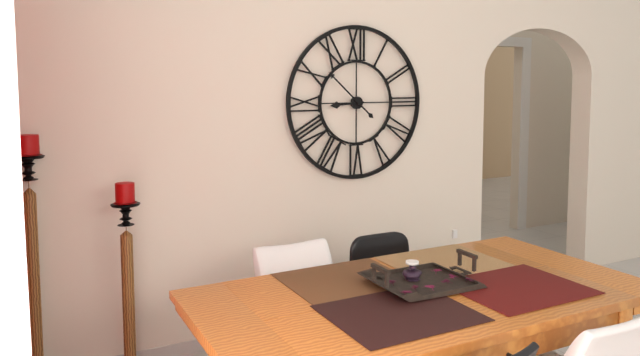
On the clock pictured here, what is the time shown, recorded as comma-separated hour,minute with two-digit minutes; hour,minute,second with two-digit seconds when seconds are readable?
8,52
